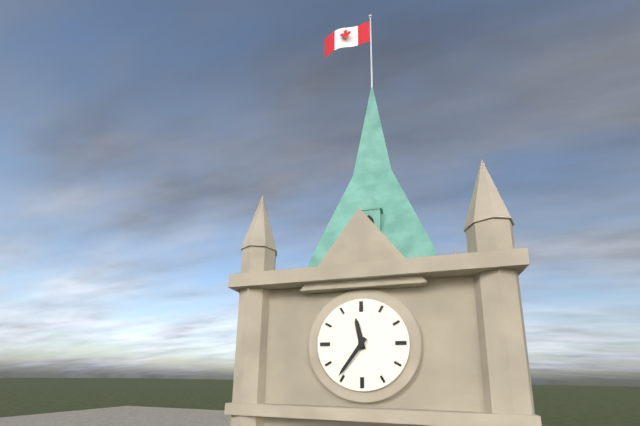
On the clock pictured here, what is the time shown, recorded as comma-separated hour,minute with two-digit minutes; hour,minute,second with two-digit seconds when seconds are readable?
11,36
